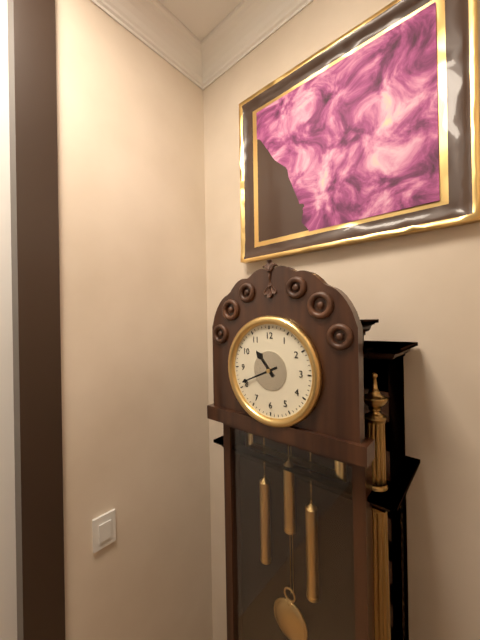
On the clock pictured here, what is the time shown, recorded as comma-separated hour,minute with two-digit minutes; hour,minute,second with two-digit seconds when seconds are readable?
10,41
